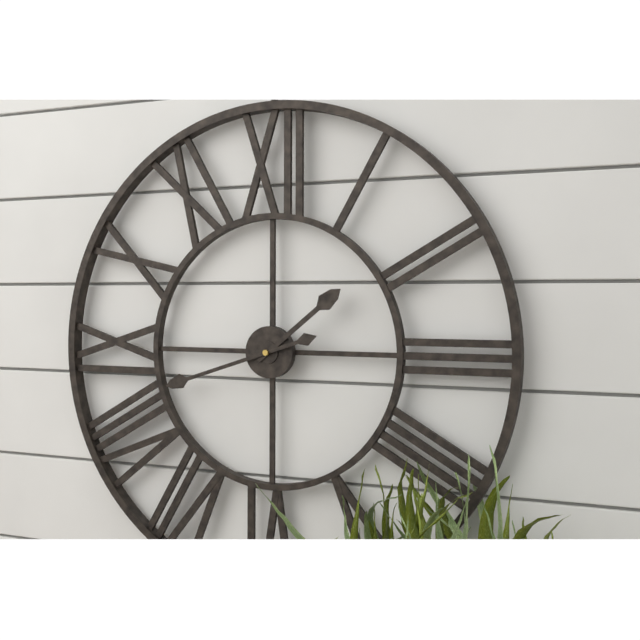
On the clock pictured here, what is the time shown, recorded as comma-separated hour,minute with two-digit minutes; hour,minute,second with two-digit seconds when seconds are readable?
1,42
